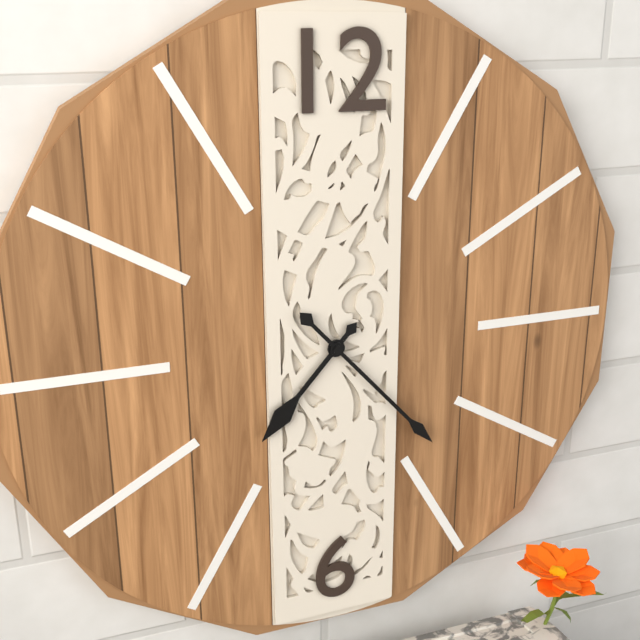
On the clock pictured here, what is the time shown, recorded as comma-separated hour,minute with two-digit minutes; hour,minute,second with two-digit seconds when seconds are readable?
7,23
